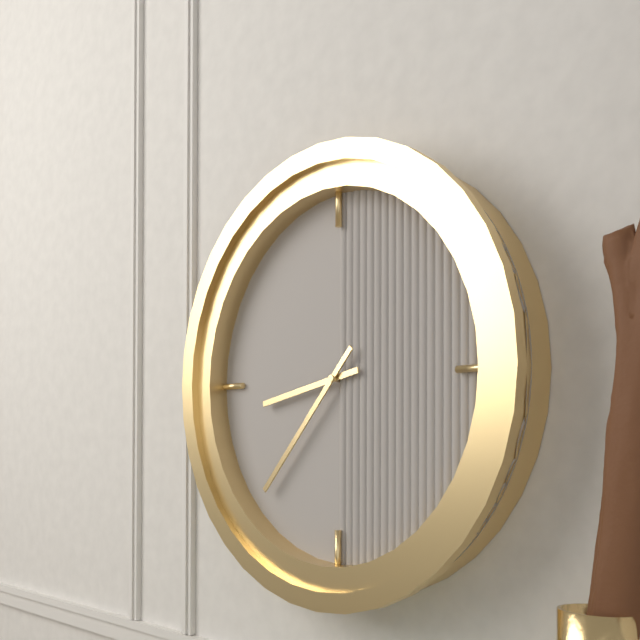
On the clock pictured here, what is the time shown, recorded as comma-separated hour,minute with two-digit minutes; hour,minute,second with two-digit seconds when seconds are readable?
8,37
